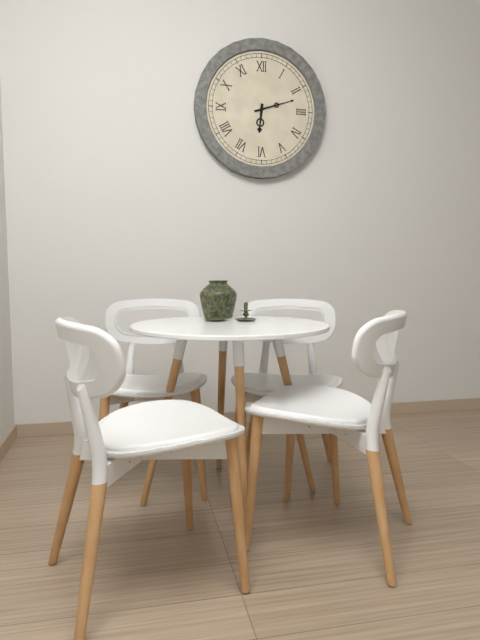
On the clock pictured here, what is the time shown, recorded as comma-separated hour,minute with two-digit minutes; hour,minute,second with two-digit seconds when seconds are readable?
6,12
